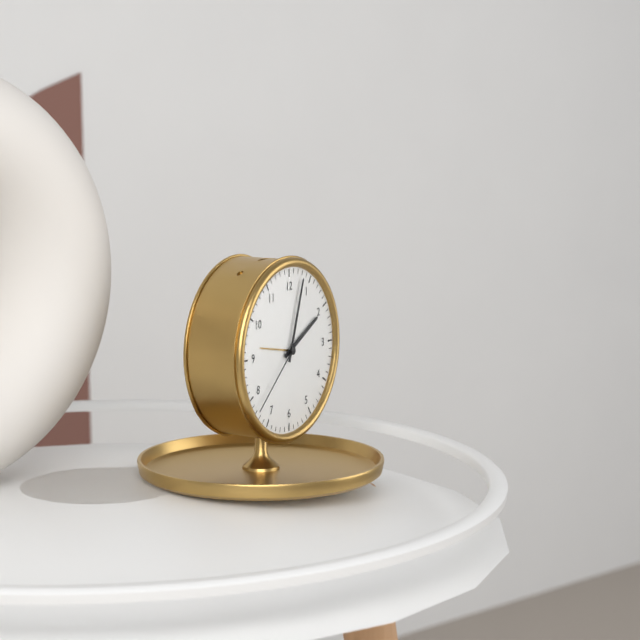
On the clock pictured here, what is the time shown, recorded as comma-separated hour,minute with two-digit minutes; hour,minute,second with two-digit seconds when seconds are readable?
2,03,38
